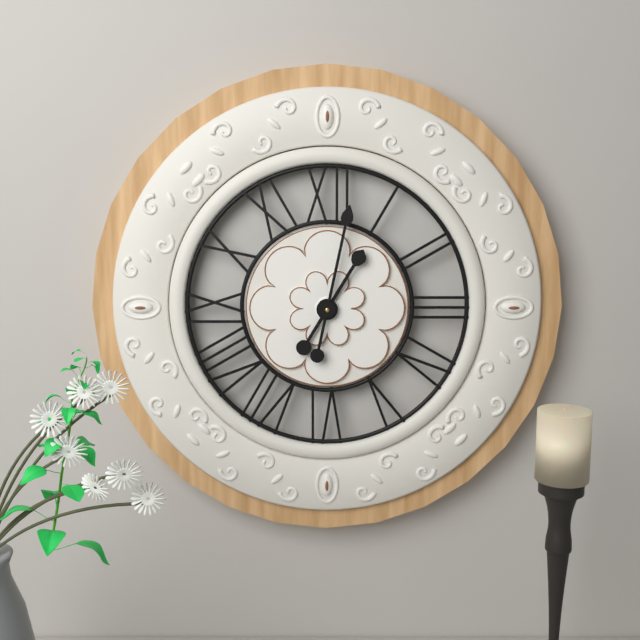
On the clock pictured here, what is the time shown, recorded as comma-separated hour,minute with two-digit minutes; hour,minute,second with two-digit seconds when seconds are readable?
1,02
